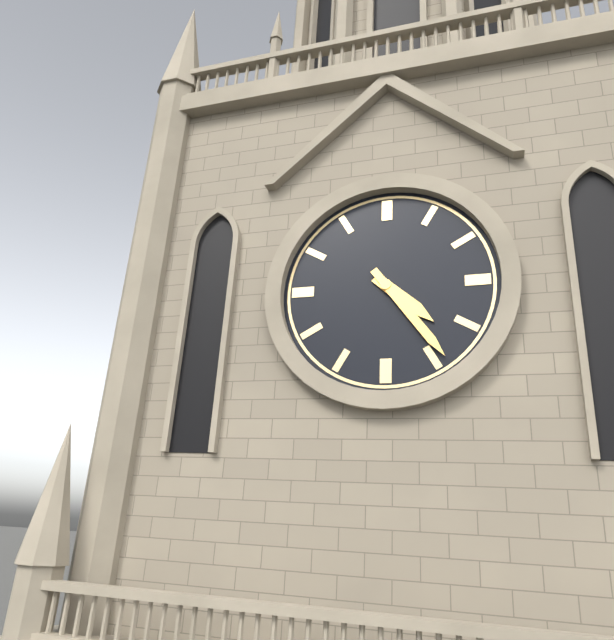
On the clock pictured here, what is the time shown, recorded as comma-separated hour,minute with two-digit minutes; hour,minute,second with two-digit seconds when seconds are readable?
4,24
